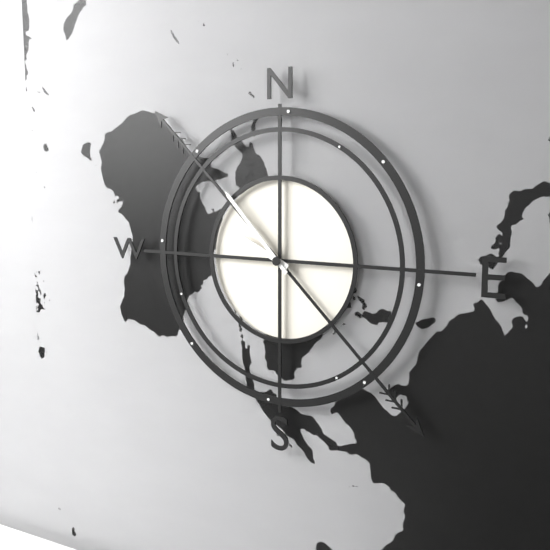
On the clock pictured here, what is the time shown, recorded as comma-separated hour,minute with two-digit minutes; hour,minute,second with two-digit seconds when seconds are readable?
9,53
